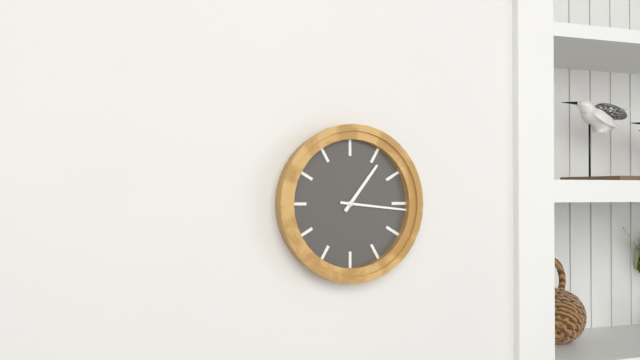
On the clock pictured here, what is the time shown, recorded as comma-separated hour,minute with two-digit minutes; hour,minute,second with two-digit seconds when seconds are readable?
1,16
